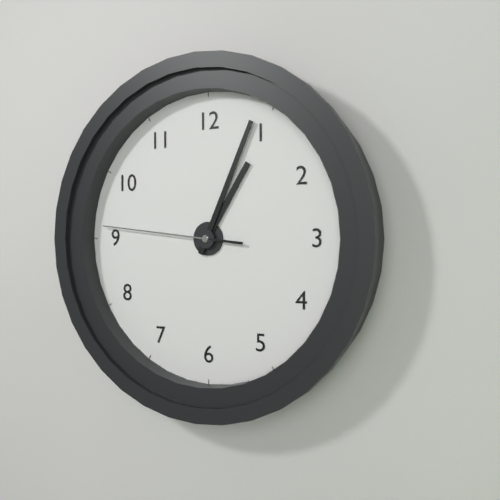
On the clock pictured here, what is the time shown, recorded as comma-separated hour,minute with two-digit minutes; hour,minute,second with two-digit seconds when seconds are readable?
1,04,46
